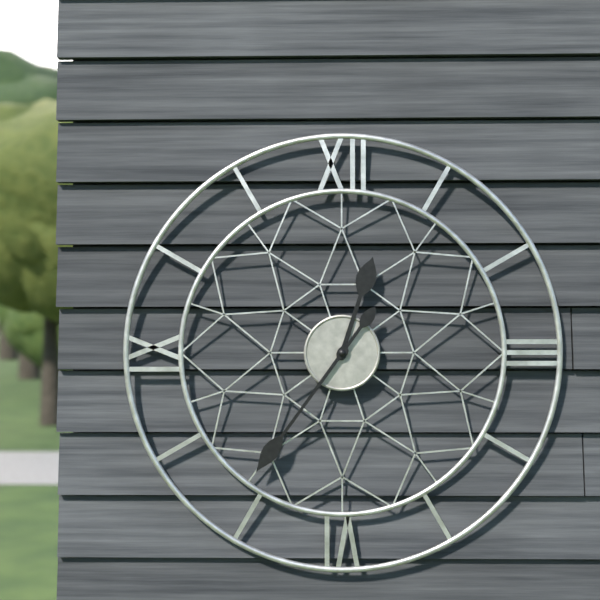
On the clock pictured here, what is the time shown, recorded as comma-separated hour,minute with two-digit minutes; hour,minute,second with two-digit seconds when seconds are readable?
12,36
